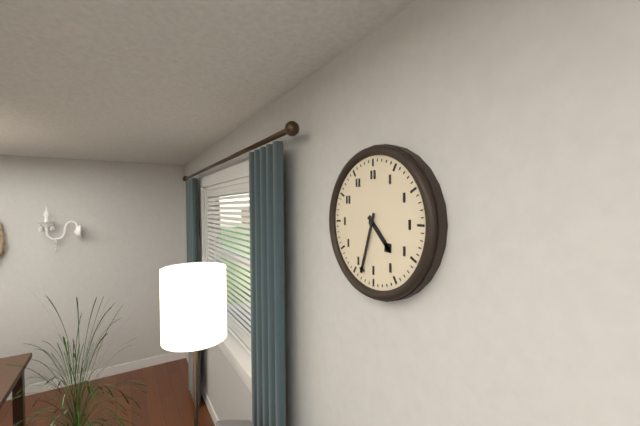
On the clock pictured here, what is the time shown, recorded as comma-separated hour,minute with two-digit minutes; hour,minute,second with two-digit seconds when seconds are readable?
4,33
